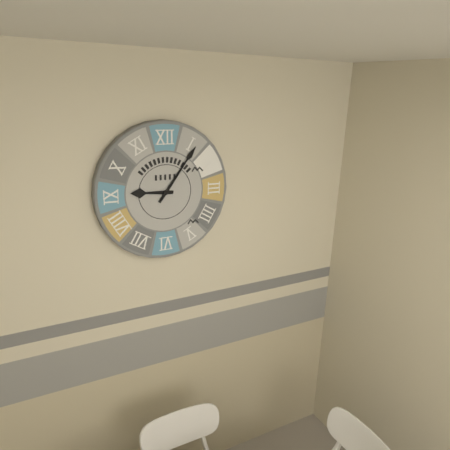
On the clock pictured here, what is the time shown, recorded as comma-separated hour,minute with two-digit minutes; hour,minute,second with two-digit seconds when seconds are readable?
9,06
